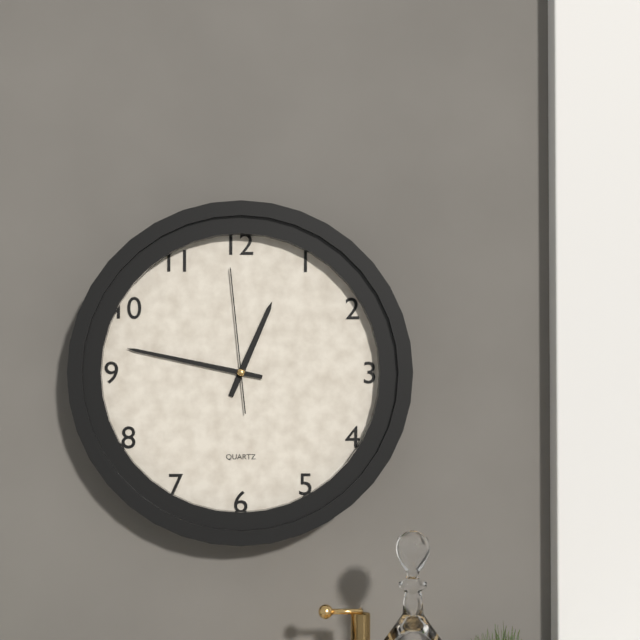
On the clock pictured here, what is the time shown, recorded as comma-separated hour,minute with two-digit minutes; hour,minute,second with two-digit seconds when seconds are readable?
12,47,59
